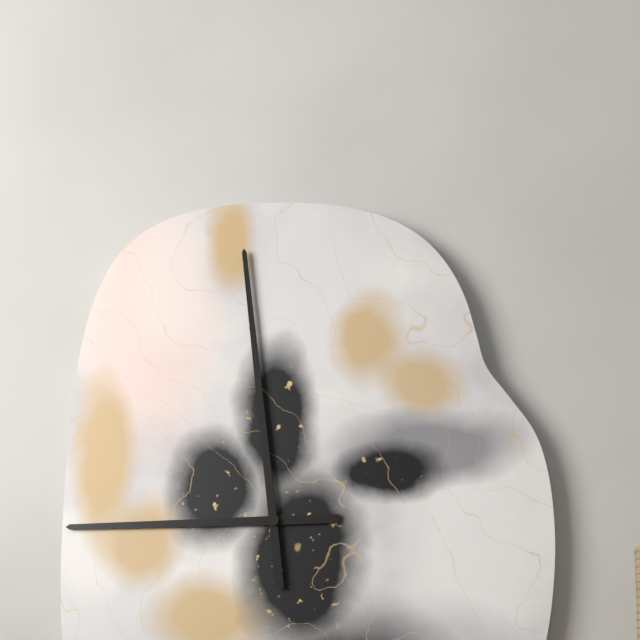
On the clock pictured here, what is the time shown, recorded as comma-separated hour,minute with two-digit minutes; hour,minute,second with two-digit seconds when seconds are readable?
8,59
